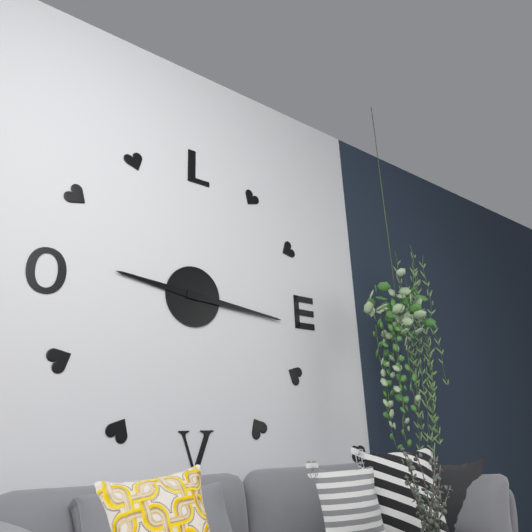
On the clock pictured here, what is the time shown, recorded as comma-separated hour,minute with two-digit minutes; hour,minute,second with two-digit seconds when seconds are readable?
9,16
